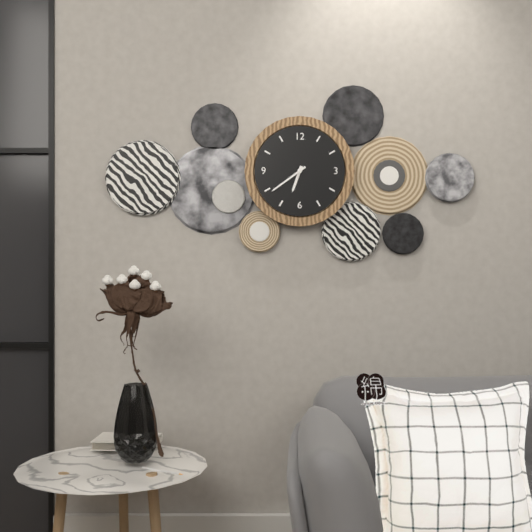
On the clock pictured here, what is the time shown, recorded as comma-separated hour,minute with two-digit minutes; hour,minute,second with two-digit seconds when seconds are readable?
6,39
